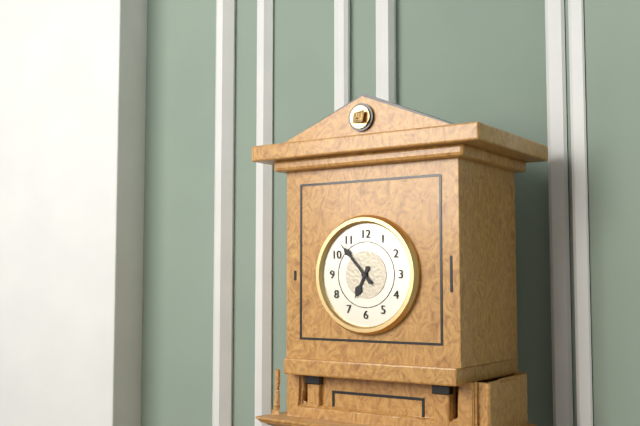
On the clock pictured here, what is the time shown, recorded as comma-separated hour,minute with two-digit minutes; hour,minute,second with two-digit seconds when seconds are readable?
6,53
